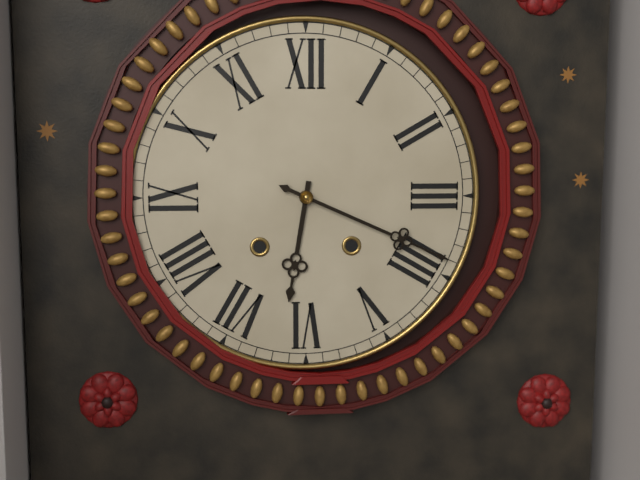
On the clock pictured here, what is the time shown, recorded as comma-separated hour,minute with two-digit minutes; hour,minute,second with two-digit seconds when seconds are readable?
6,19
